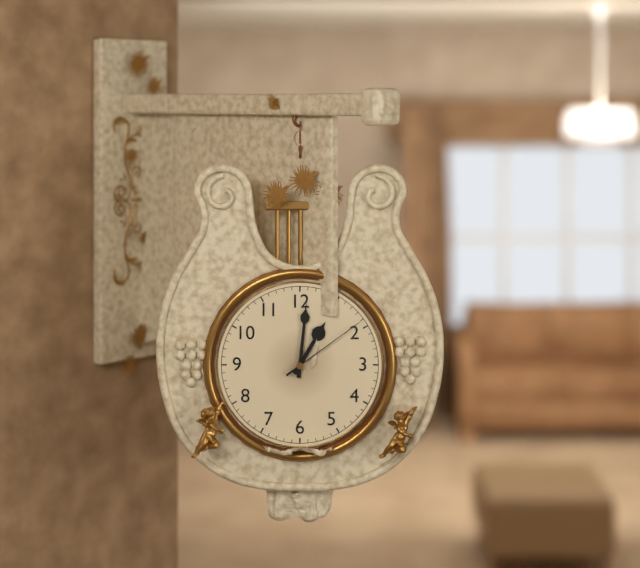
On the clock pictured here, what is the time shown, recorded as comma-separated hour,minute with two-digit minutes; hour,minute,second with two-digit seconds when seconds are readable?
1,01,09
